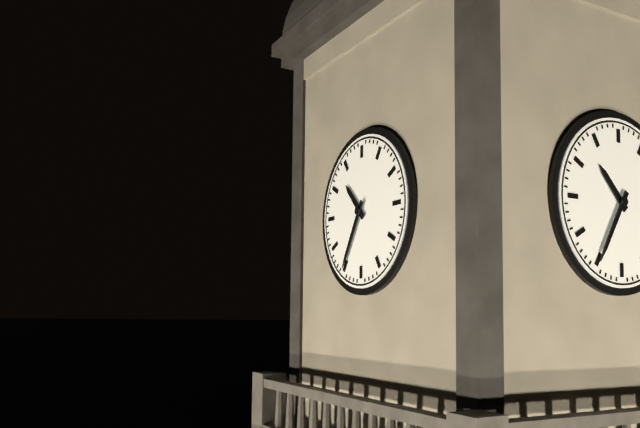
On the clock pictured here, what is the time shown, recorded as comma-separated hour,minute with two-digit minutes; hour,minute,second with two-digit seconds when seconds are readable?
10,35
